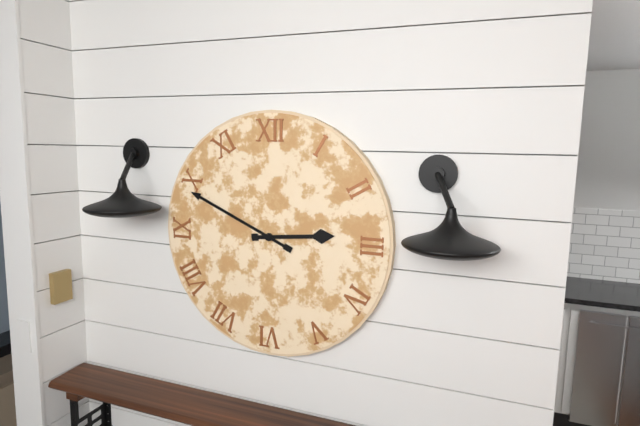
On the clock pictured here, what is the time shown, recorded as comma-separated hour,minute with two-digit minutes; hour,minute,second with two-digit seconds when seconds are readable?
2,49
